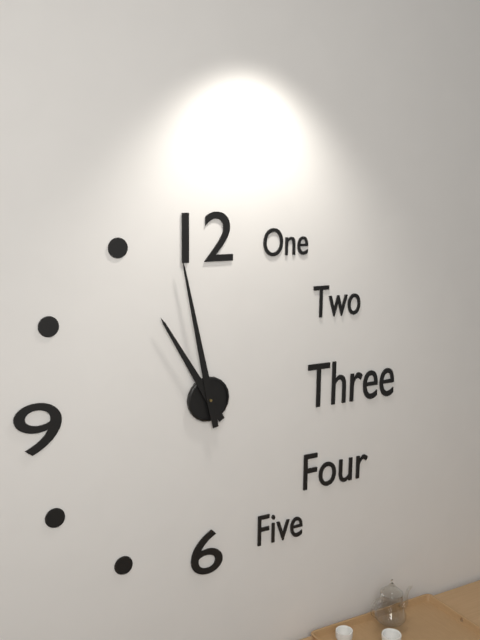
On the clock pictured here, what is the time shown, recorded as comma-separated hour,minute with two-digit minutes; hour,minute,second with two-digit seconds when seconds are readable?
10,58
